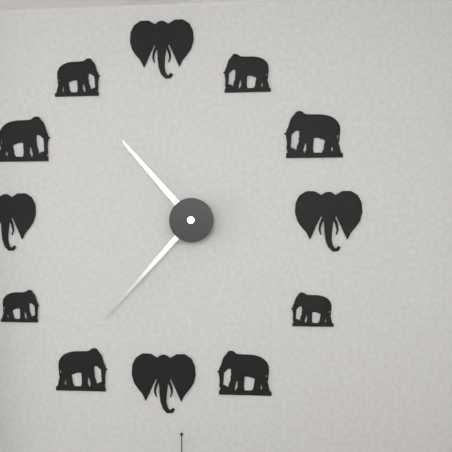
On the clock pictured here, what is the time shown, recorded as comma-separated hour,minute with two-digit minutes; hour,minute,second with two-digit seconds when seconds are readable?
10,37
